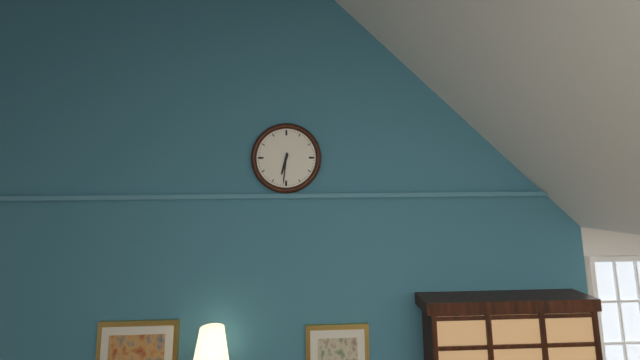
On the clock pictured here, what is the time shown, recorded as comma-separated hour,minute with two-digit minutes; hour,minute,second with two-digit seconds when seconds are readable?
6,31
